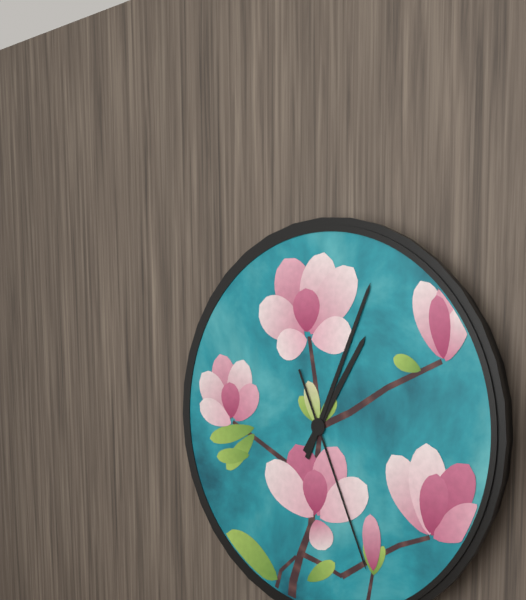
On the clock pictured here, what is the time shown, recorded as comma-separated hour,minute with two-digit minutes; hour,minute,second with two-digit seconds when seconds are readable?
1,04,26
